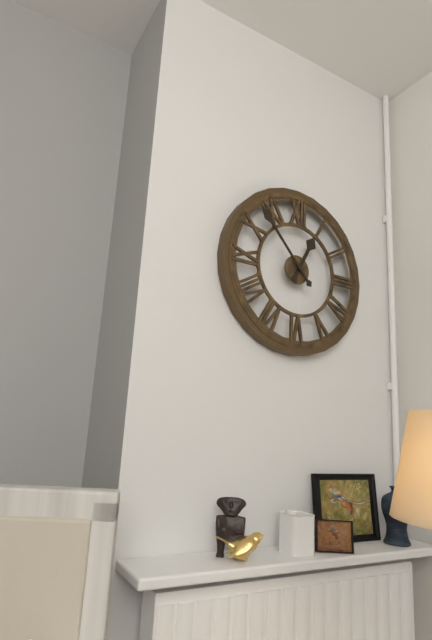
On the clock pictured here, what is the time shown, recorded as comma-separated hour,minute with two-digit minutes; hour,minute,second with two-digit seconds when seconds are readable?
12,53
